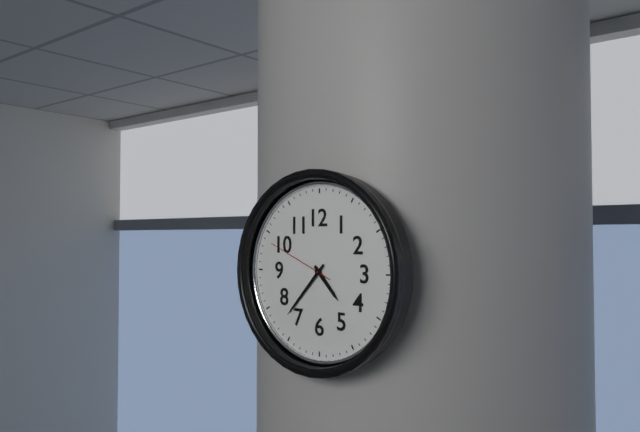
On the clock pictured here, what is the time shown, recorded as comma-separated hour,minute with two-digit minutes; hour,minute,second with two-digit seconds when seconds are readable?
4,37,49
